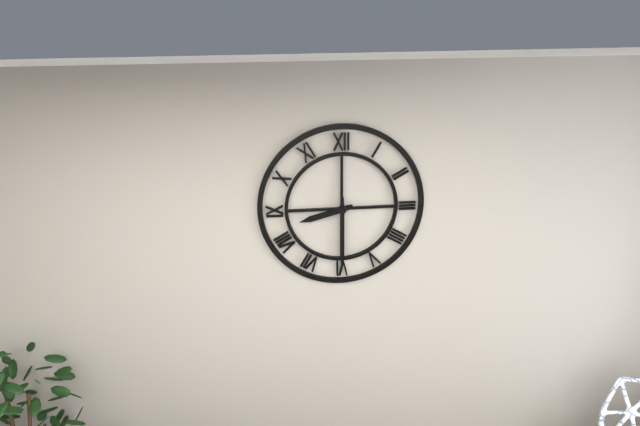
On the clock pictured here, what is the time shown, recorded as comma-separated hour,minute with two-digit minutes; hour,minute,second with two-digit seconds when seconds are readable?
8,30
